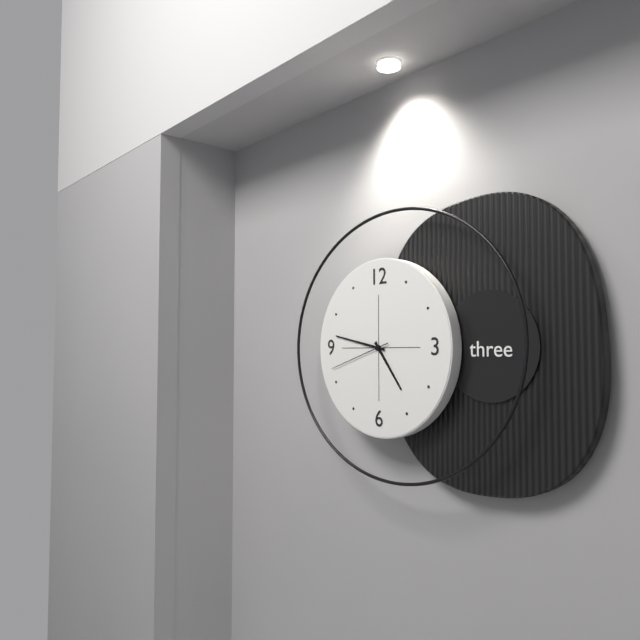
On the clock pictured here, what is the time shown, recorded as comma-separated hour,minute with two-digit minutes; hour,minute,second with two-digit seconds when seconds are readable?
4,47,42
